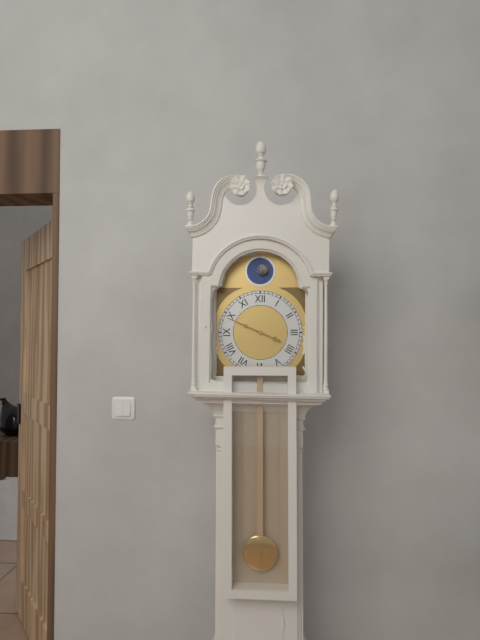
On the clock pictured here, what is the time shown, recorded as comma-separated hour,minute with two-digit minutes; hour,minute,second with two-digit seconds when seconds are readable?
3,49
